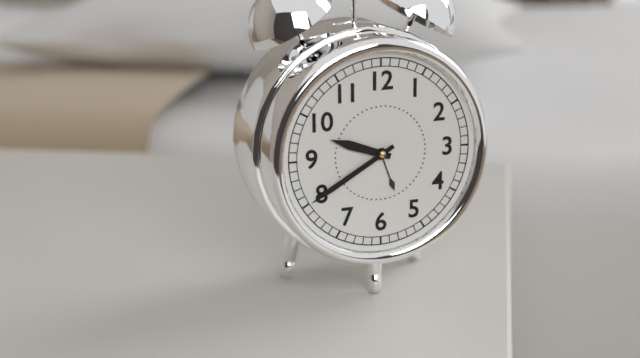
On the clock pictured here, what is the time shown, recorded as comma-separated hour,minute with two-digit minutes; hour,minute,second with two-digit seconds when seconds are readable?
9,40
